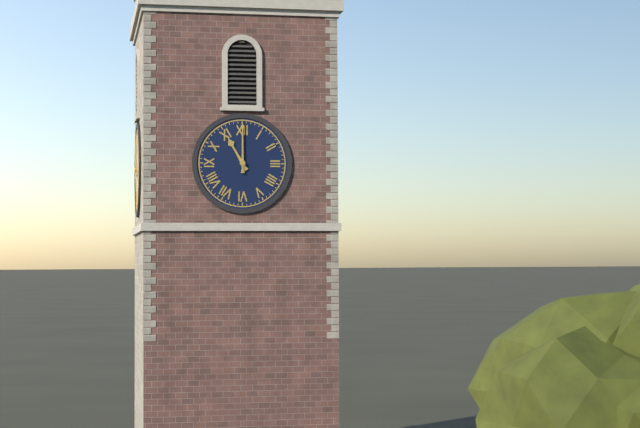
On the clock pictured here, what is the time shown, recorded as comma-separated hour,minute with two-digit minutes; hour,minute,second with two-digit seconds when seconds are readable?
11,00
